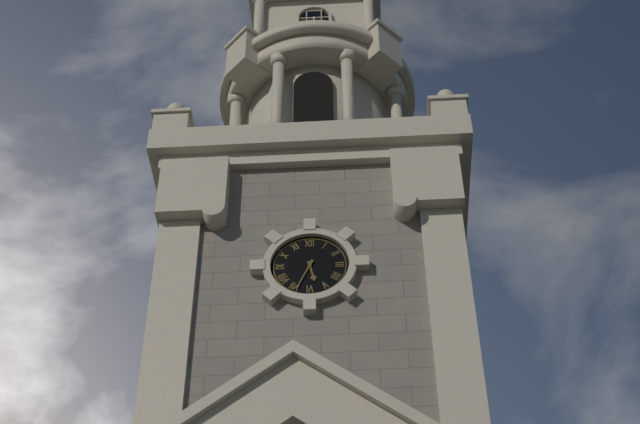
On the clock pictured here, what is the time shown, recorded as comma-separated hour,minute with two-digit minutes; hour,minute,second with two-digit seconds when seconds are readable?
5,34
